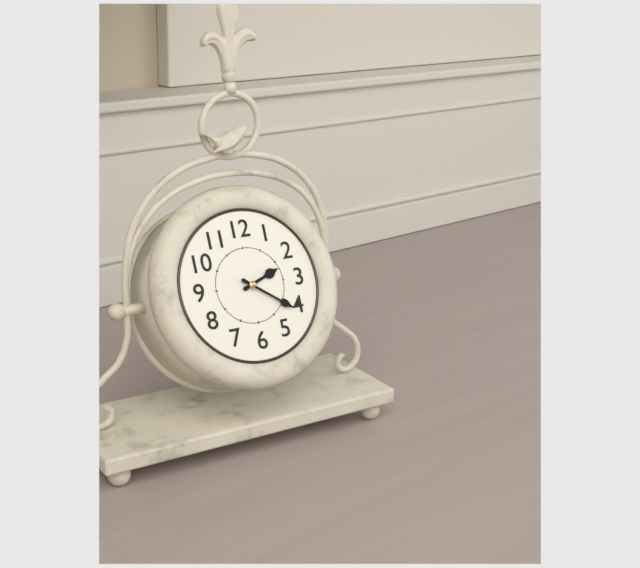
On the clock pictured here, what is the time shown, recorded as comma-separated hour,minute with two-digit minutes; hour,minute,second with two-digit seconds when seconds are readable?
2,21
